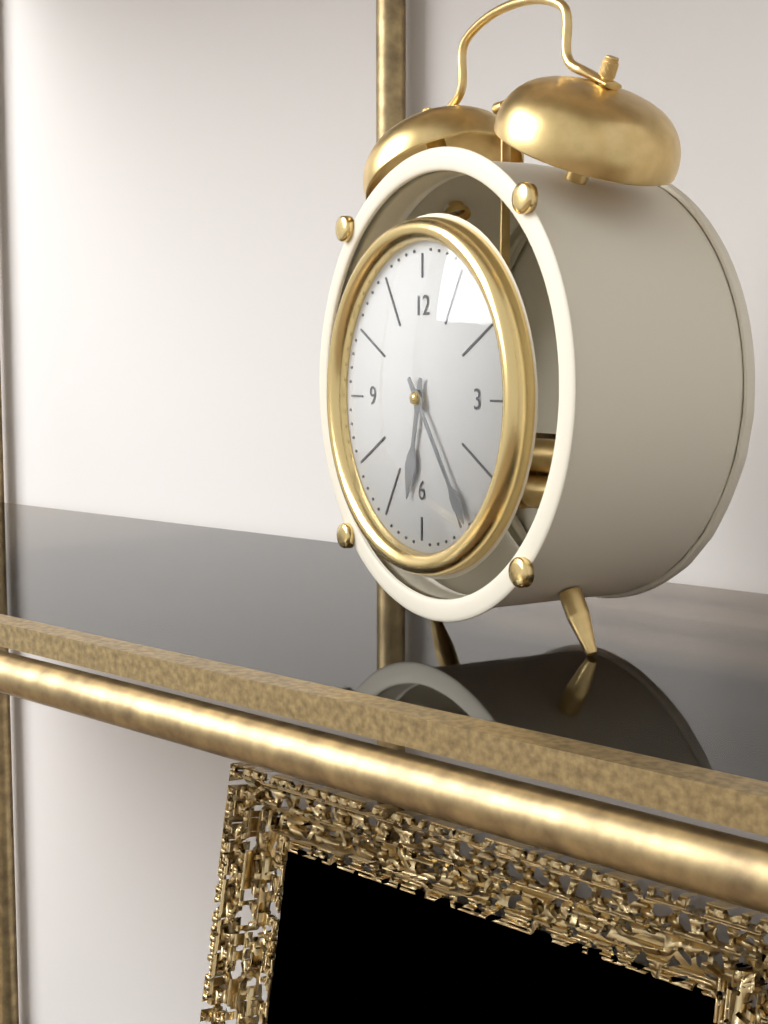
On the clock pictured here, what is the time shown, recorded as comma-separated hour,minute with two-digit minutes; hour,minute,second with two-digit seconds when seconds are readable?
6,24
